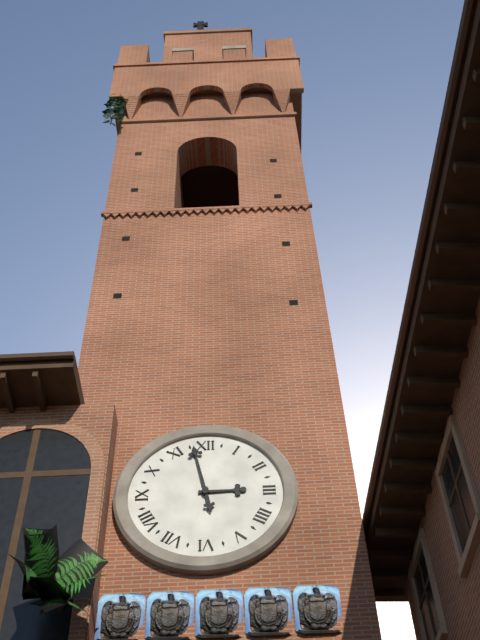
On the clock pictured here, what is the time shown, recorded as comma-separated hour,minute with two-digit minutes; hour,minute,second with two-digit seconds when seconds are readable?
2,58
